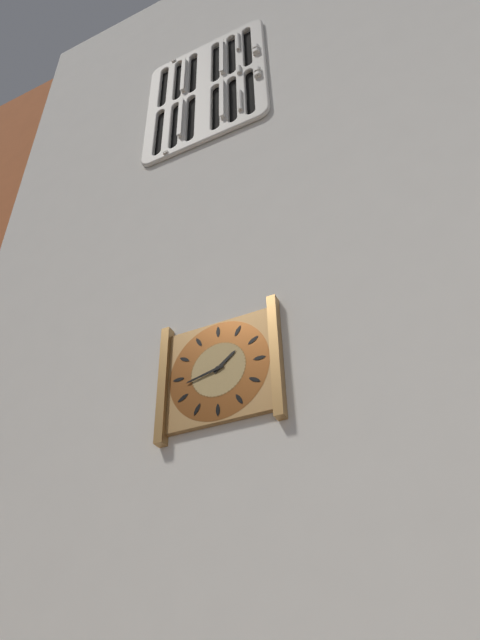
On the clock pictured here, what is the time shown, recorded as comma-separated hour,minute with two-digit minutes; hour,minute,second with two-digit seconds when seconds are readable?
1,43
